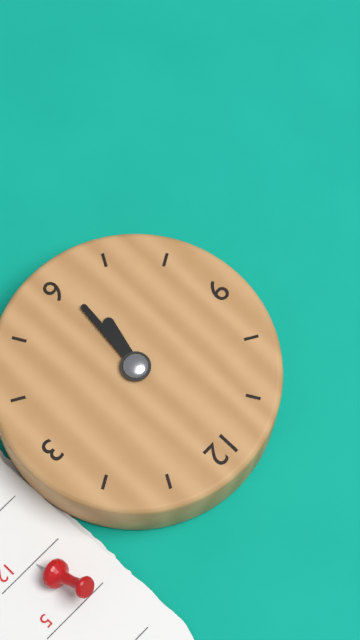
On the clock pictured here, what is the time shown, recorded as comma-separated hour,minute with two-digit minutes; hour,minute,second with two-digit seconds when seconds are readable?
6,31
